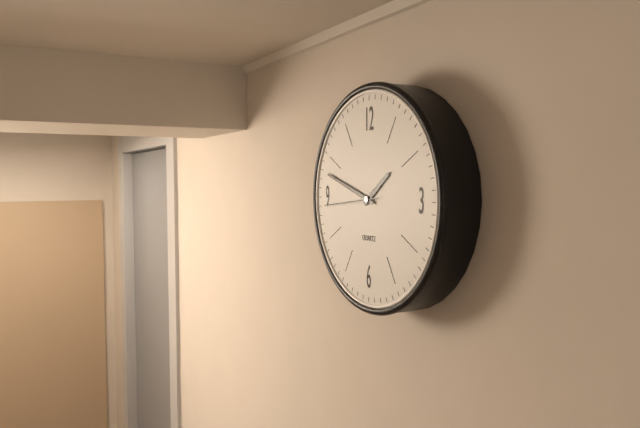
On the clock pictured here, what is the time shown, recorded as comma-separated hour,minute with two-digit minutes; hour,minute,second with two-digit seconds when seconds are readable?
1,48,44
